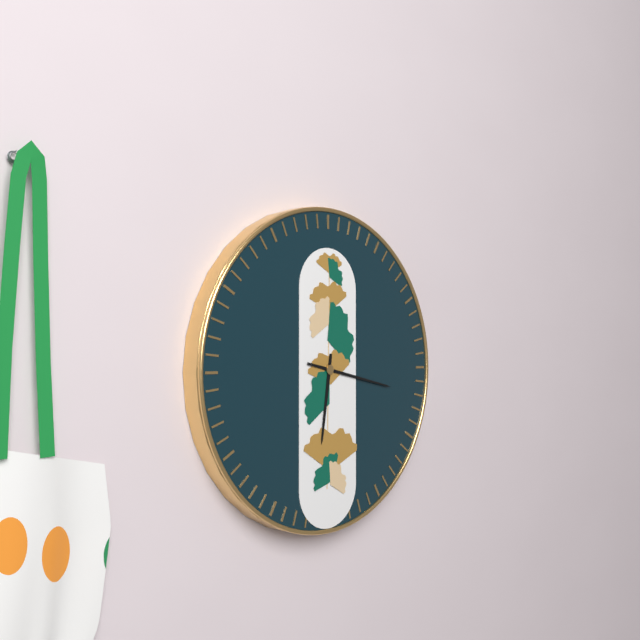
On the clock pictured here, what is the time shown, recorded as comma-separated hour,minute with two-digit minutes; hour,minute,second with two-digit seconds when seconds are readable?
6,17
